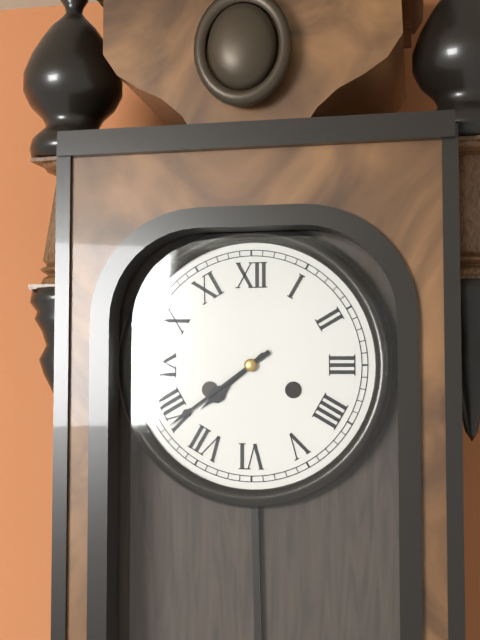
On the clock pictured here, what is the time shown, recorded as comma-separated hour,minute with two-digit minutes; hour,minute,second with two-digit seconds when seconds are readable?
7,39
